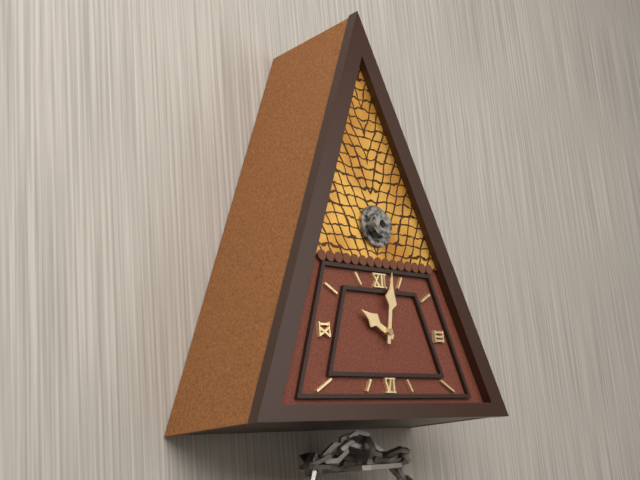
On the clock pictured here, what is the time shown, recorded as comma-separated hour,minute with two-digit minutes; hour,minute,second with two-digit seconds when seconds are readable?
10,02
